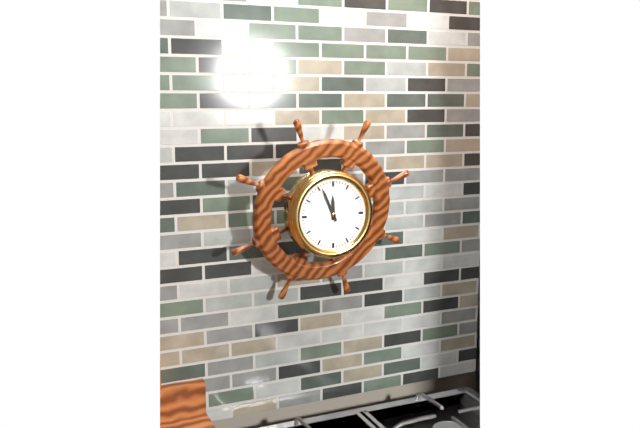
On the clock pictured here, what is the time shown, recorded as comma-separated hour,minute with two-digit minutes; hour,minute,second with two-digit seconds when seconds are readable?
11,56
